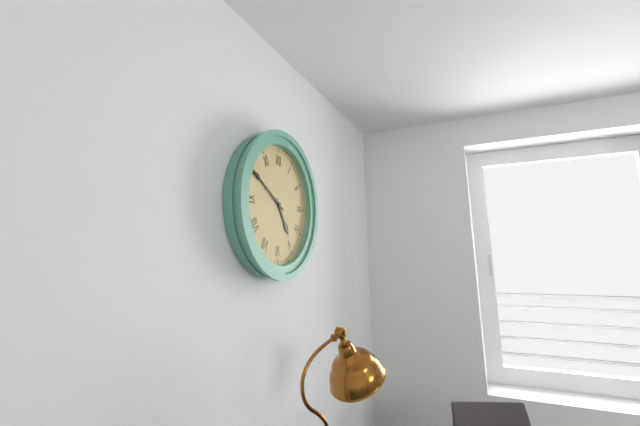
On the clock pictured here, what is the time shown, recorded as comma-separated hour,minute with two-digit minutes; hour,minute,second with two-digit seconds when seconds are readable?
4,50
